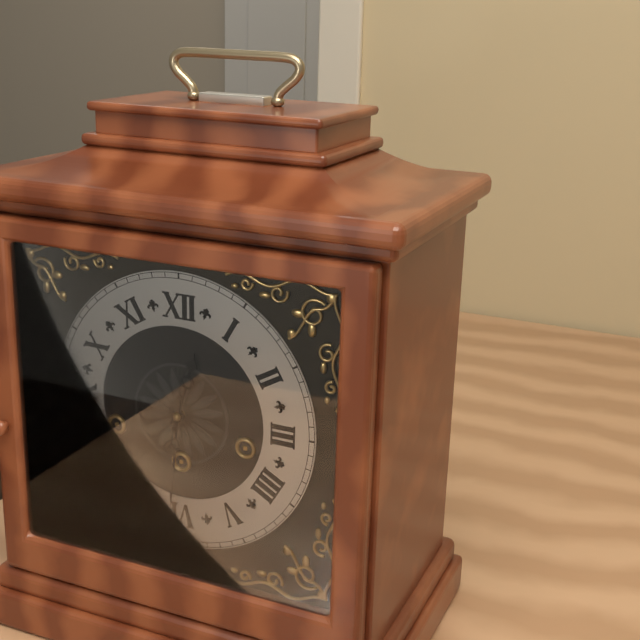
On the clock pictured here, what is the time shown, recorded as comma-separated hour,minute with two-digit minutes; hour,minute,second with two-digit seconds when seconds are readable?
12,31
